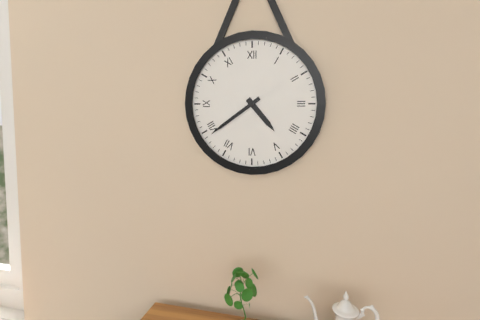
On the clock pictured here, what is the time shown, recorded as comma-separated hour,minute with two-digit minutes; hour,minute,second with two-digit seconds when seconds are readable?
4,39
